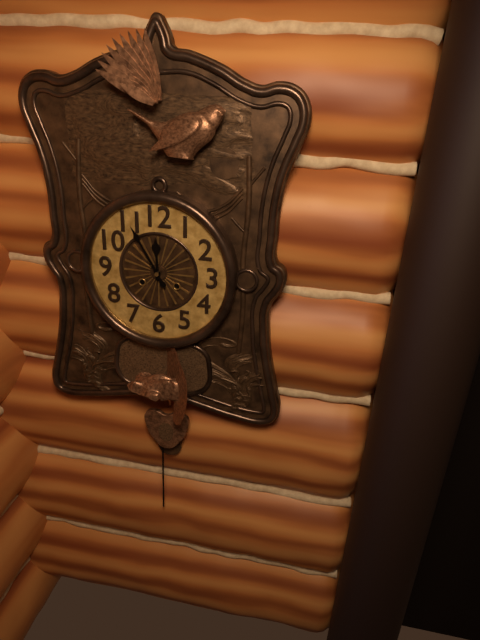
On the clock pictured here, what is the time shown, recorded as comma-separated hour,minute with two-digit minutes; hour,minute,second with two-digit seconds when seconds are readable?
11,55
